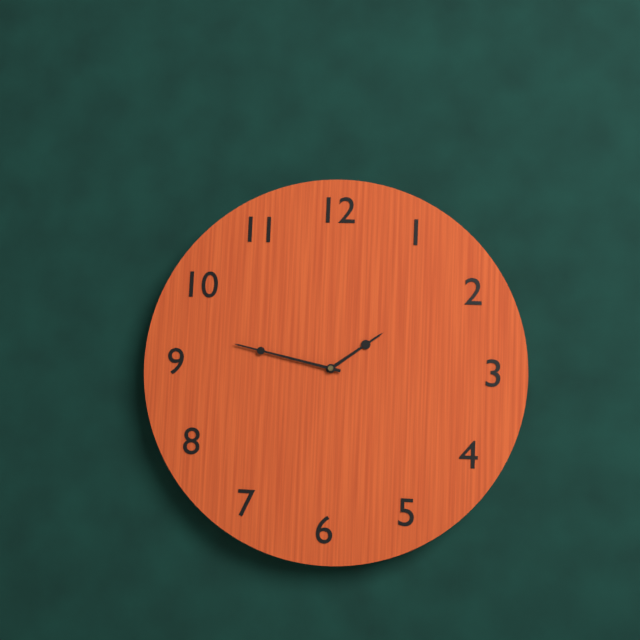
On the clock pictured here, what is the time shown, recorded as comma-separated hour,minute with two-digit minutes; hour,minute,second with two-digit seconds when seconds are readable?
1,47
